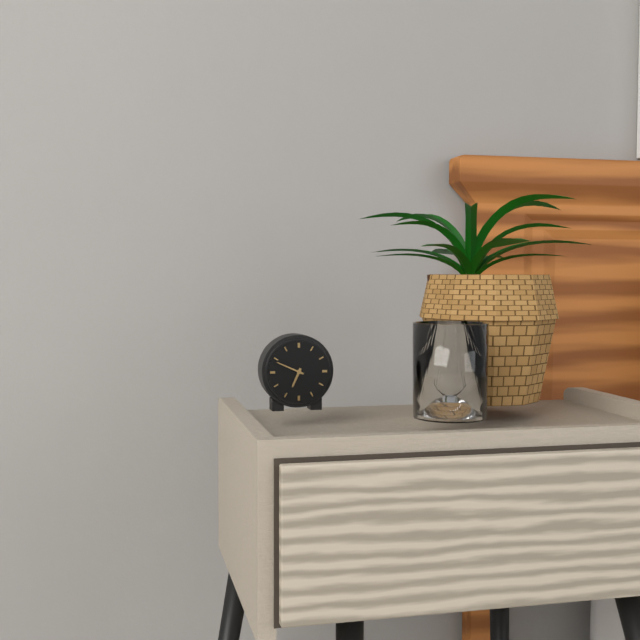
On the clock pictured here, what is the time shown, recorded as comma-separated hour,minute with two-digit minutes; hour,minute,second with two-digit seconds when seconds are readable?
6,49
